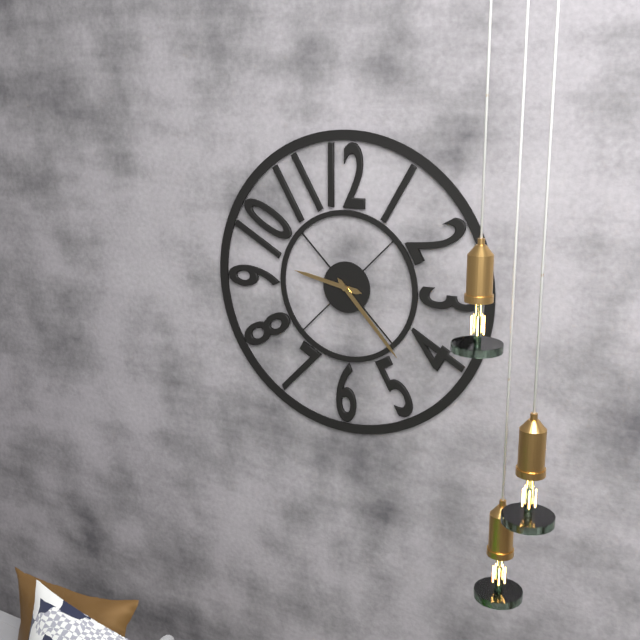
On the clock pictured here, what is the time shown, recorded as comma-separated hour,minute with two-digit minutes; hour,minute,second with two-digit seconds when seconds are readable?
9,23
